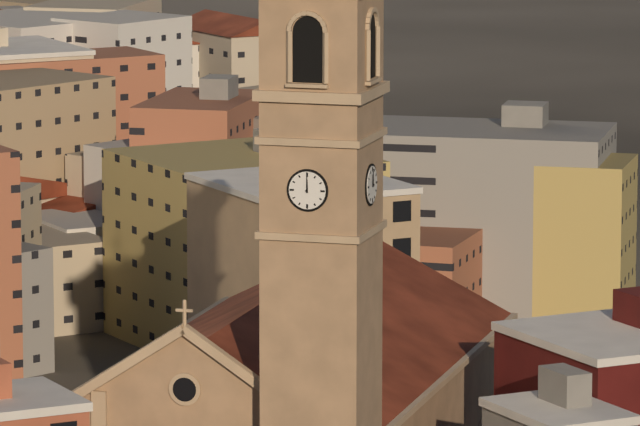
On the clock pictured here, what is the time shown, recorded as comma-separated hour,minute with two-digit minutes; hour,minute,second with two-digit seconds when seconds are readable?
12,00
